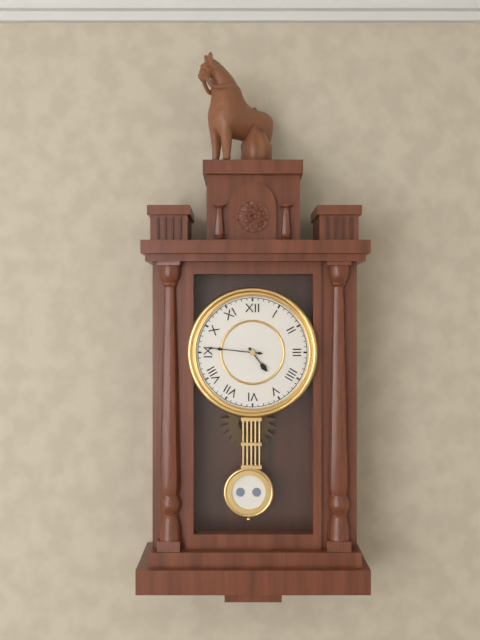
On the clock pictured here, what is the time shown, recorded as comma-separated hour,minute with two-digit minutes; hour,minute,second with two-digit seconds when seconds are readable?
4,46
